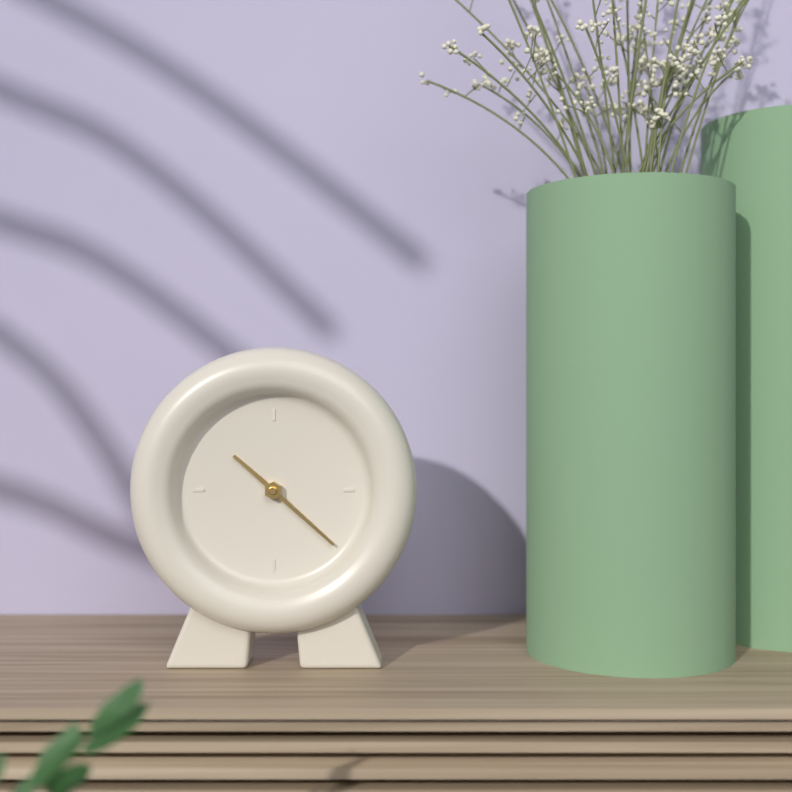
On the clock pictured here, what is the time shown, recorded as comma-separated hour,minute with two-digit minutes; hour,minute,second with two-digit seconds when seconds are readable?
10,22
